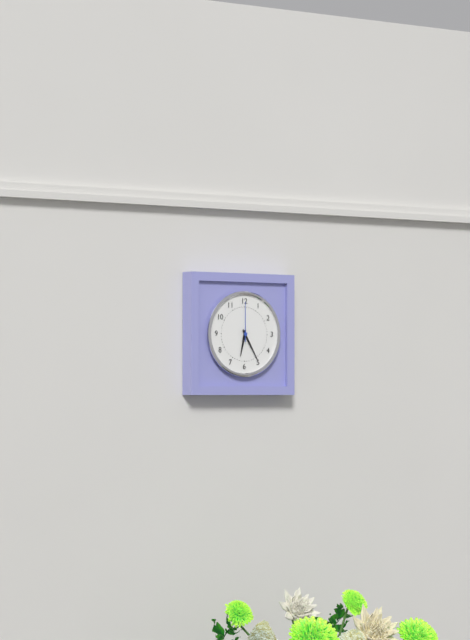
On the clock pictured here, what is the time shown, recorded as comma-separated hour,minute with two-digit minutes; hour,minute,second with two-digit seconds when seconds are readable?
6,25
